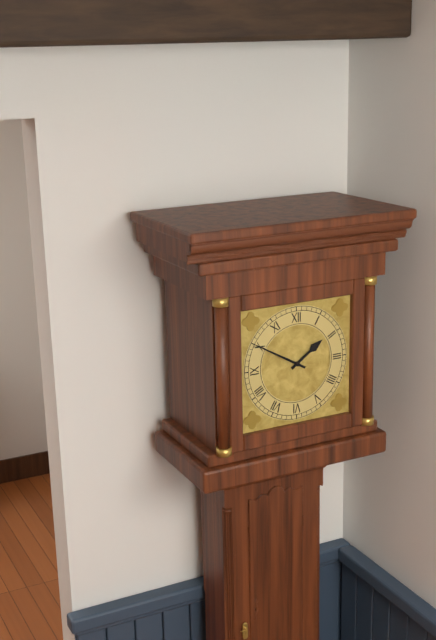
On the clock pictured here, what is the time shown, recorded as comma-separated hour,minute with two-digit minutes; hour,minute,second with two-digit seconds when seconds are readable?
1,50
